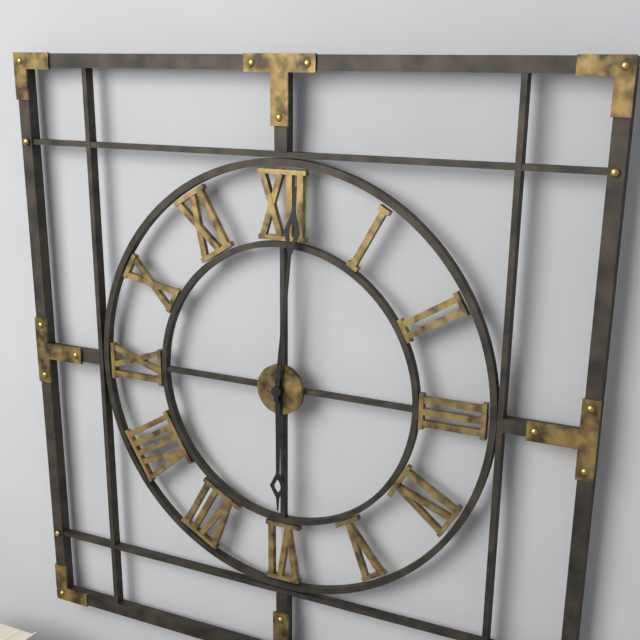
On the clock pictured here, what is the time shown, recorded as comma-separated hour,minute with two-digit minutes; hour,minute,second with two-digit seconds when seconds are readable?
6,01
